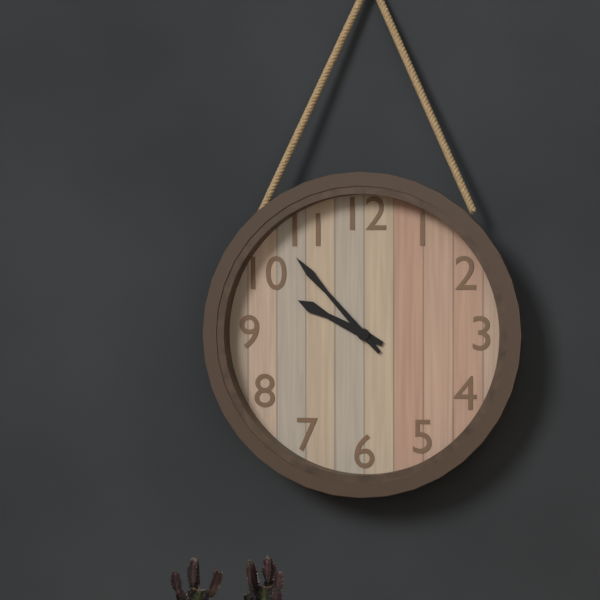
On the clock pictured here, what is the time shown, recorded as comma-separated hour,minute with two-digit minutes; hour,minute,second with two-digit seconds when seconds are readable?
9,53
